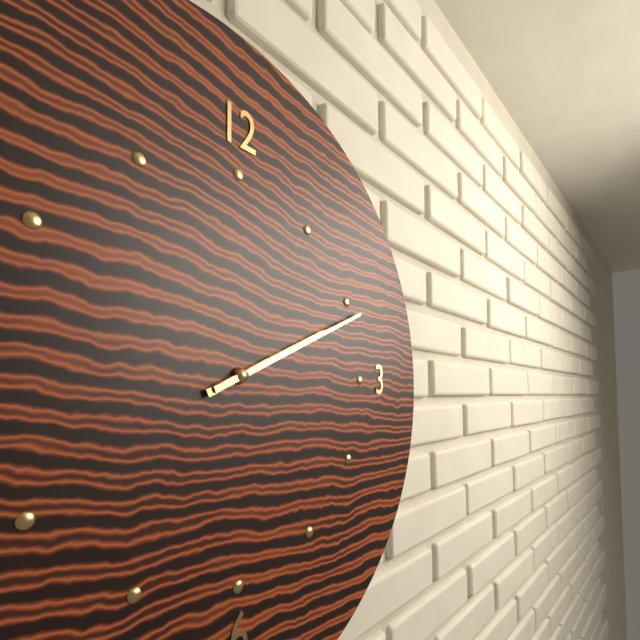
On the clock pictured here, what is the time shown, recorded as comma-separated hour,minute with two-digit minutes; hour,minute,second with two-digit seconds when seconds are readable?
2,11
